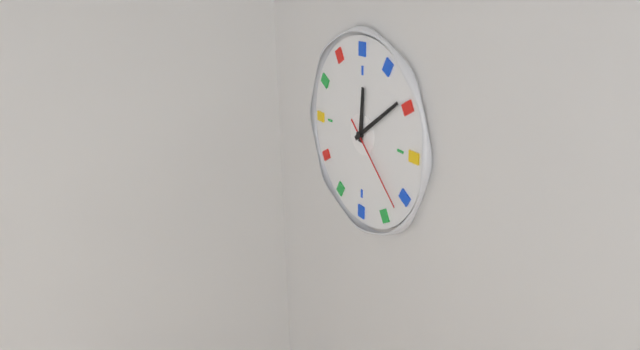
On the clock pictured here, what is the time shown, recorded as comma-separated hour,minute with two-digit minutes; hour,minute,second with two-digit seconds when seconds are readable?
12,09,22
